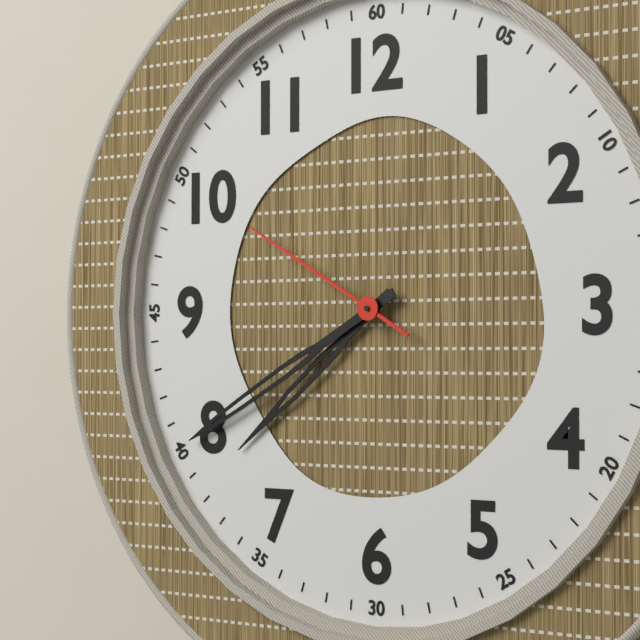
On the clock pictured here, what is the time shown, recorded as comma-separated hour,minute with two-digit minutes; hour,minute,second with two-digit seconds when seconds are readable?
7,40,50
